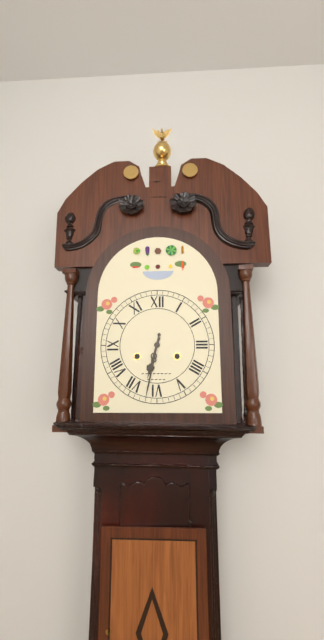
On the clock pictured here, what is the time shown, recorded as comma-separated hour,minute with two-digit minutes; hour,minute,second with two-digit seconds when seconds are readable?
6,32
